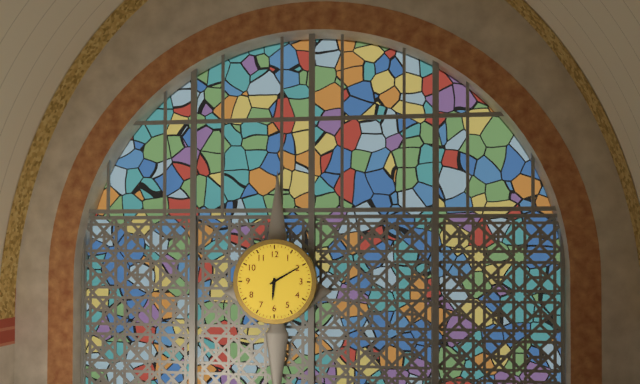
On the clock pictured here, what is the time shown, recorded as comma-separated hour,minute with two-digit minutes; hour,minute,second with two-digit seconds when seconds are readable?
6,10
